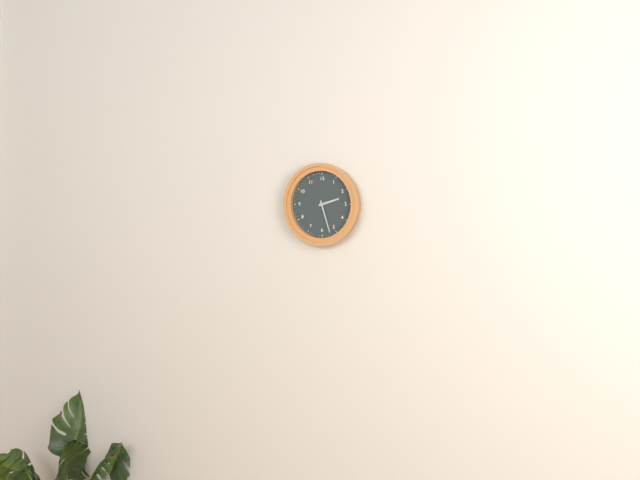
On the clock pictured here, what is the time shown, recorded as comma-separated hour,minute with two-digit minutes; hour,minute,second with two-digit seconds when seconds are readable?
2,27
